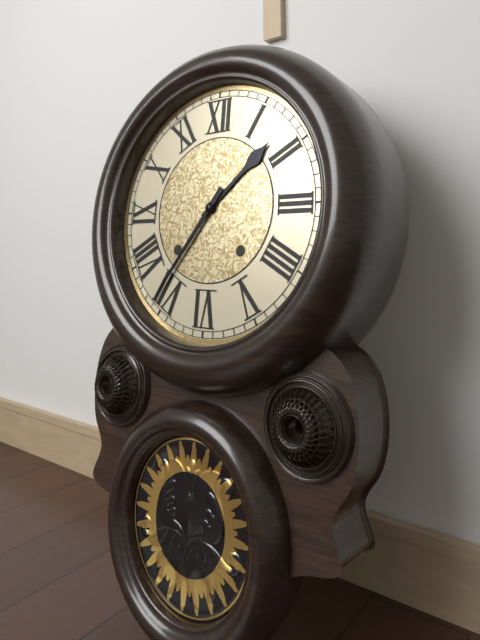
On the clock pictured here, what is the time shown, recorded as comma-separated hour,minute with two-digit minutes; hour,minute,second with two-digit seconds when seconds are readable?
1,36
